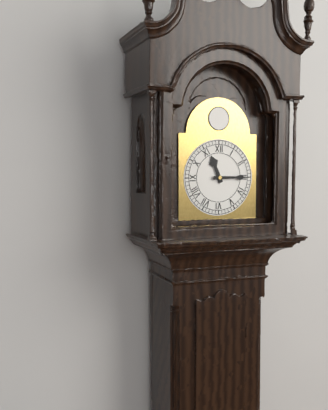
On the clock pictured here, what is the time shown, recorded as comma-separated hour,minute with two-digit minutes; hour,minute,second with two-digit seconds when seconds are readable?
11,15
